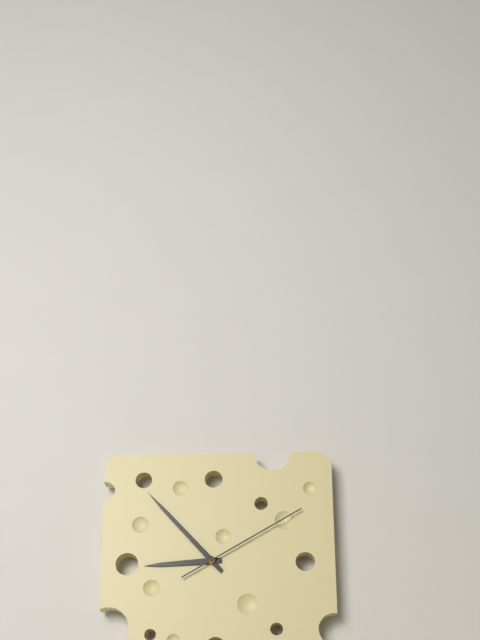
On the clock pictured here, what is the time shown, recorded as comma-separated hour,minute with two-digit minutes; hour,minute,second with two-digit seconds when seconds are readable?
8,53,10
